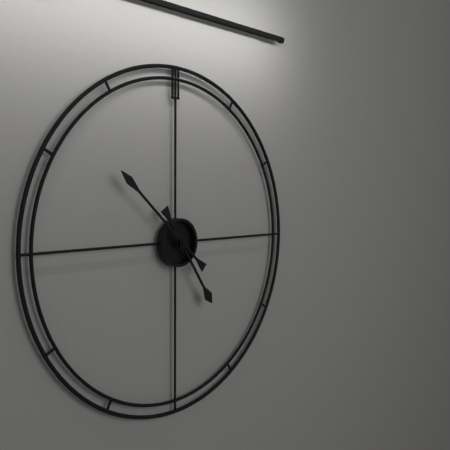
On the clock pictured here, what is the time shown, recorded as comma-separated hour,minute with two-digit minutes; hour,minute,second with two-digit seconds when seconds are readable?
4,52
